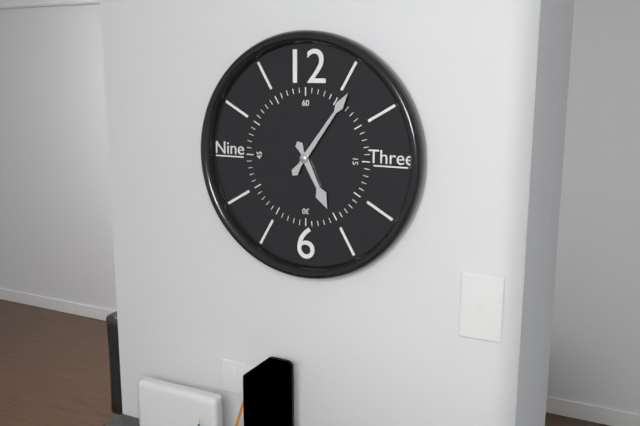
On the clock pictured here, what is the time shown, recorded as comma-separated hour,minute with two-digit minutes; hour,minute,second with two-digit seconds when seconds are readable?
5,06
